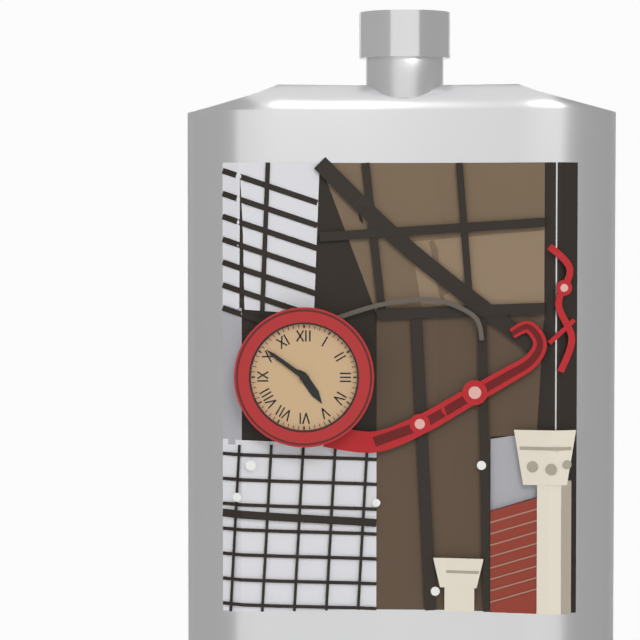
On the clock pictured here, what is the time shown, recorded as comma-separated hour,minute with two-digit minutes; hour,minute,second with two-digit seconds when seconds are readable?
4,51
